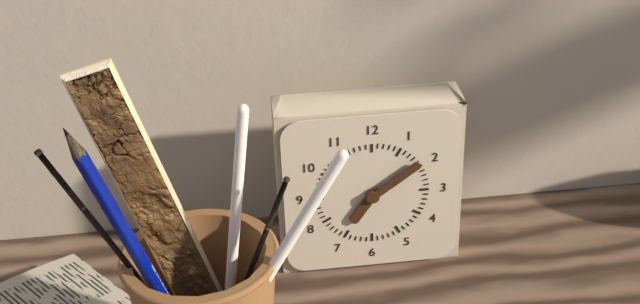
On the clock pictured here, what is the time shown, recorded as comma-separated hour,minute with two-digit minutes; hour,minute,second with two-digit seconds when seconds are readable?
7,09
